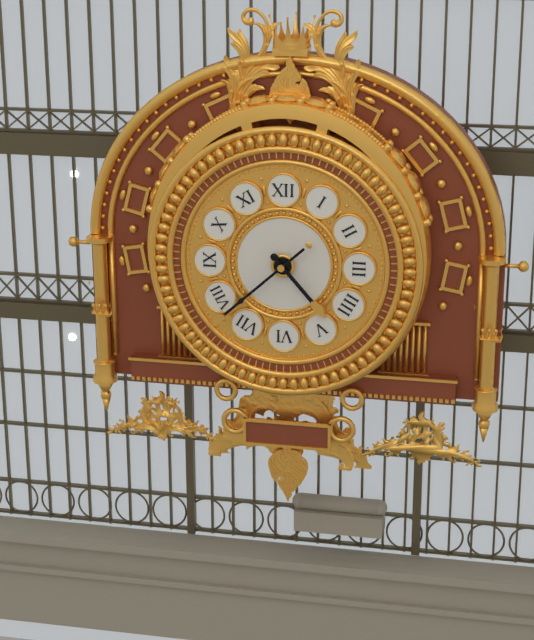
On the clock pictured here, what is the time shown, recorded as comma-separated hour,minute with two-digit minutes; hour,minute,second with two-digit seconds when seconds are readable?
4,38
